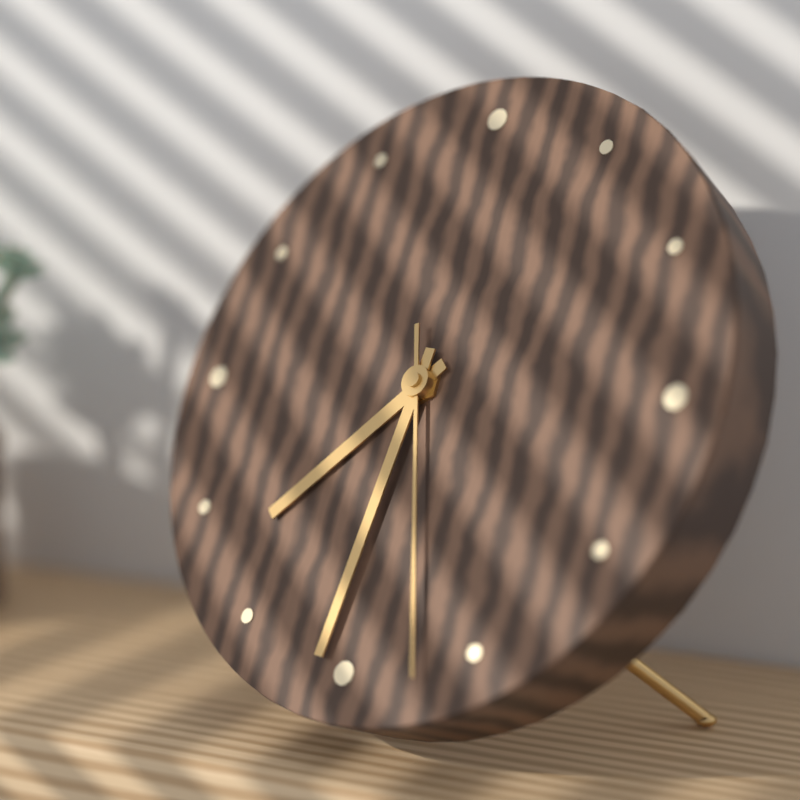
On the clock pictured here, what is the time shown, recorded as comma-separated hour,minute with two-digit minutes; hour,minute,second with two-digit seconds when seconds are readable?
7,31,27
